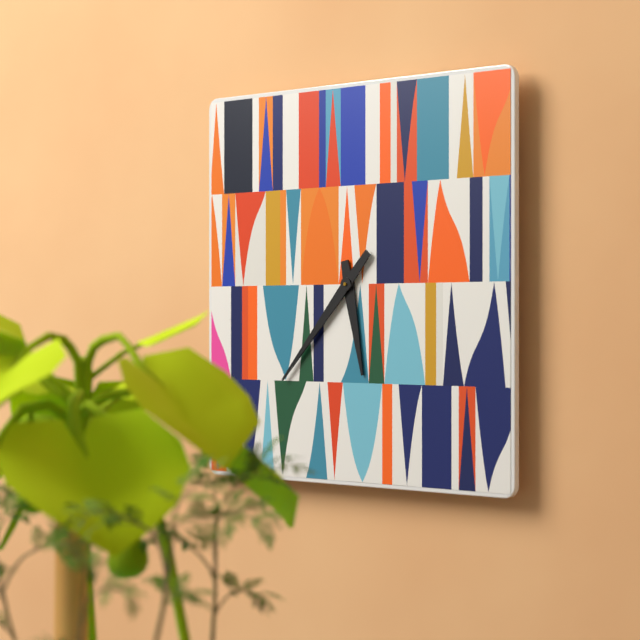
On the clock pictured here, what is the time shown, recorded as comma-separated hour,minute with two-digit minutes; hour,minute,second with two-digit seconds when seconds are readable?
5,37
